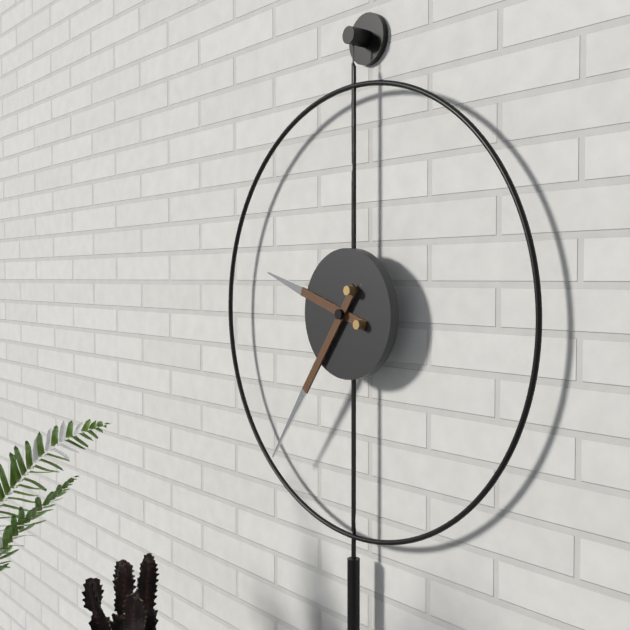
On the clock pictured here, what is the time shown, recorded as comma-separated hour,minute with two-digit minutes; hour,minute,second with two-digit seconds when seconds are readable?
9,36
